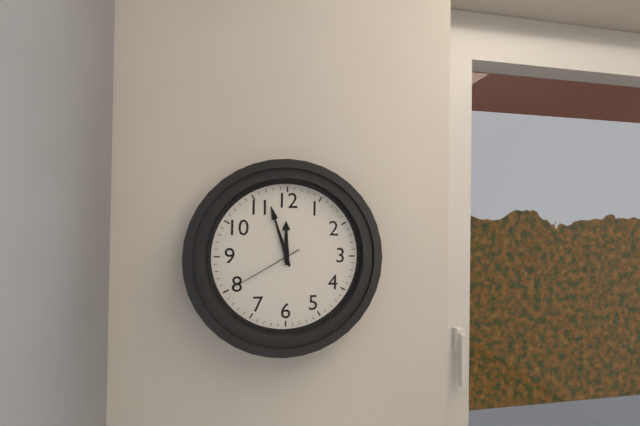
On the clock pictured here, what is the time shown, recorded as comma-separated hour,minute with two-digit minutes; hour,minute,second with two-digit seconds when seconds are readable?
11,57,40
